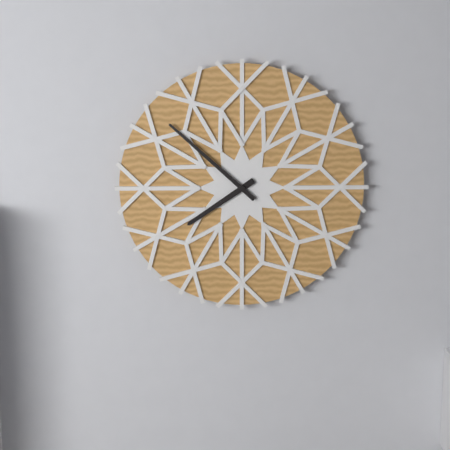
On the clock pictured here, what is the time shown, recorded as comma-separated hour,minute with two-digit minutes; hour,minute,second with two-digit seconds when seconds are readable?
7,52
